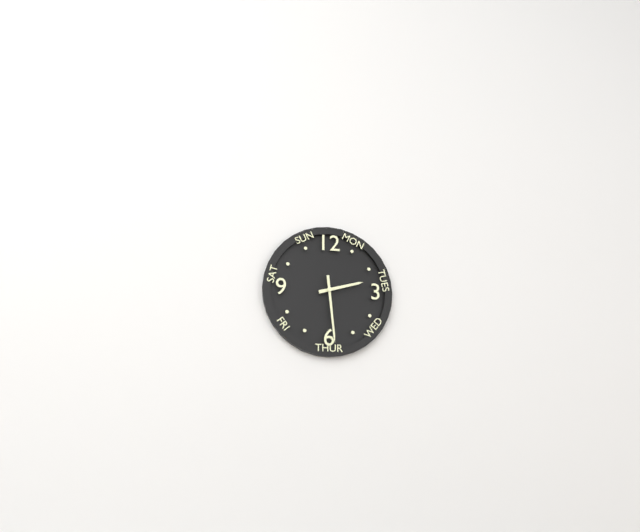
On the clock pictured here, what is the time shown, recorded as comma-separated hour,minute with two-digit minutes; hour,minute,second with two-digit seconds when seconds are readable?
2,29
